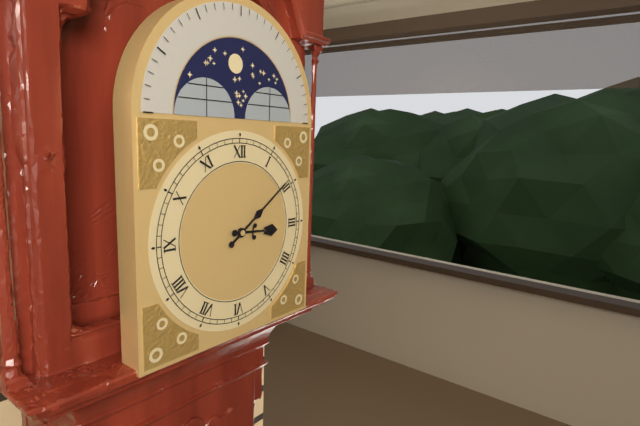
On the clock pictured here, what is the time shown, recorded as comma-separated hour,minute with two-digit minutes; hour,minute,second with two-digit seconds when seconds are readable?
3,09
